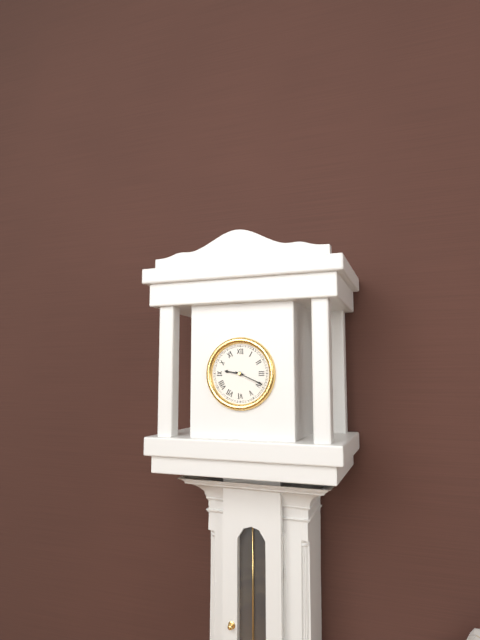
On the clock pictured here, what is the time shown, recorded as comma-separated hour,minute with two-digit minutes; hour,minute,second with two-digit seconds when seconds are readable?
9,19
